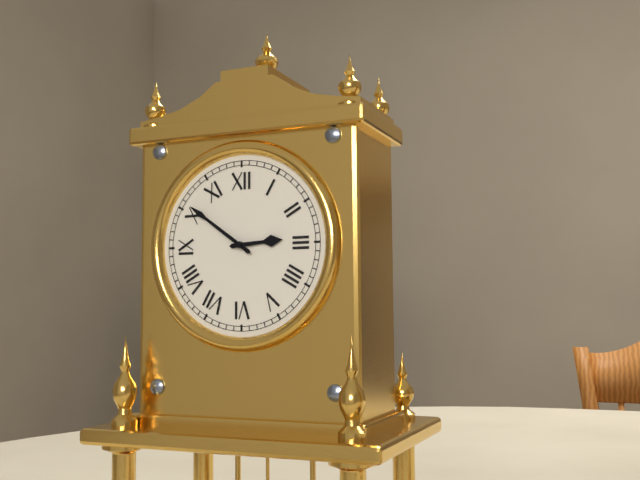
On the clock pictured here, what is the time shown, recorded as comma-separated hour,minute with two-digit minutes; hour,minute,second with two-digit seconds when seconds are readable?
2,51
